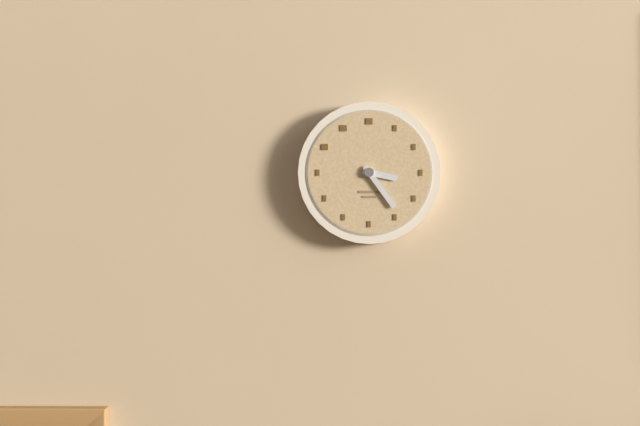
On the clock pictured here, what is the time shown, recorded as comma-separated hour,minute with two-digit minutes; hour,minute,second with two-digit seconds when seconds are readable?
3,24
